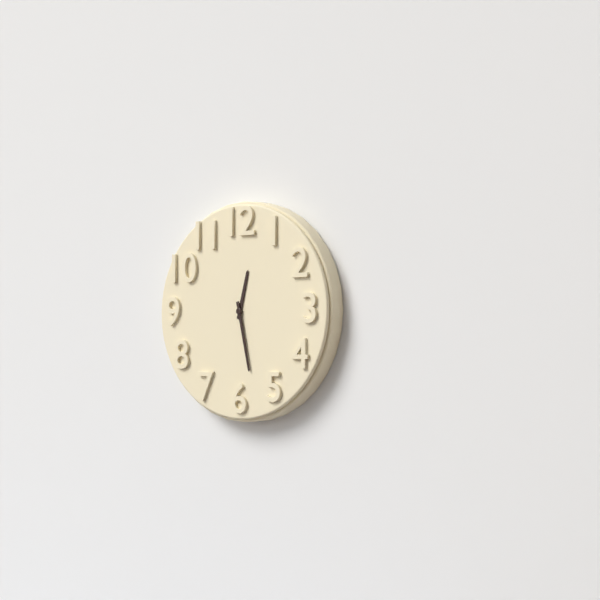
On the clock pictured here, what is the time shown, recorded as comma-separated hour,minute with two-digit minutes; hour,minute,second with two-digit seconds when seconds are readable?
12,28
